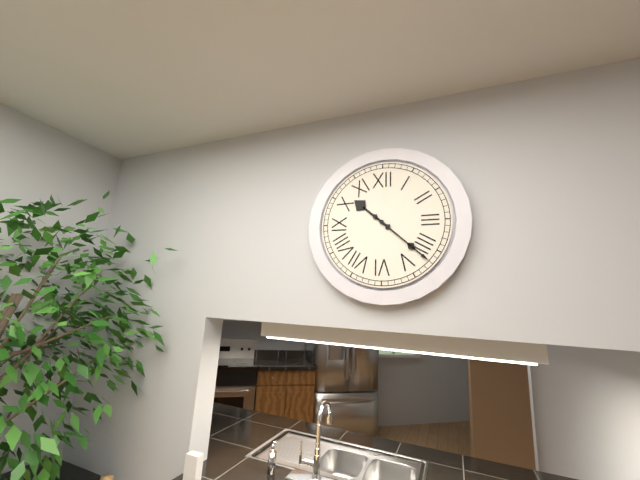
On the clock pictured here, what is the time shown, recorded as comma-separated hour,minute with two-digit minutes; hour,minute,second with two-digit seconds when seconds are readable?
10,22
